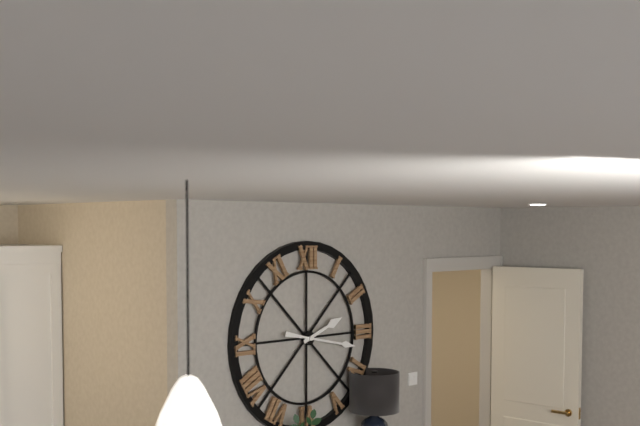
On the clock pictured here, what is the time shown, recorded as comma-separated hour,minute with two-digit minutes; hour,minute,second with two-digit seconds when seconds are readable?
2,17
